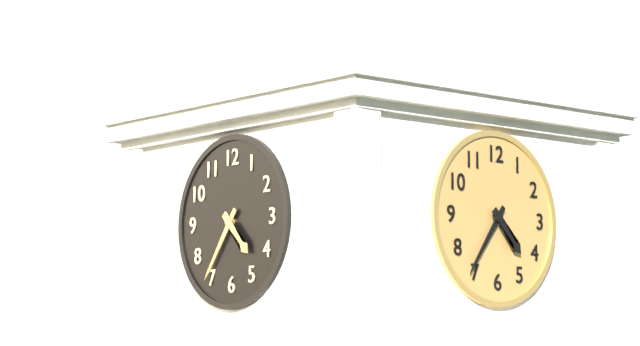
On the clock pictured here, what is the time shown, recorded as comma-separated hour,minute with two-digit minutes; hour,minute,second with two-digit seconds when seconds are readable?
4,36
